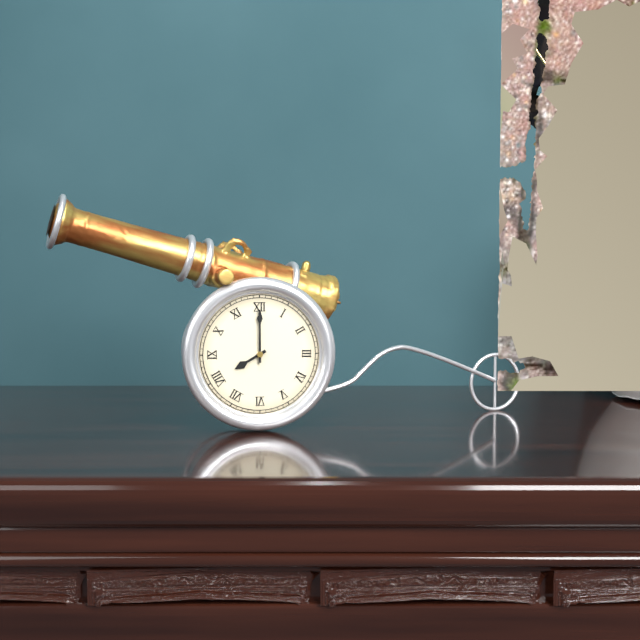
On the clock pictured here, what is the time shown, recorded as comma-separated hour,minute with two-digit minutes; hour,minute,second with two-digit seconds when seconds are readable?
8,00
